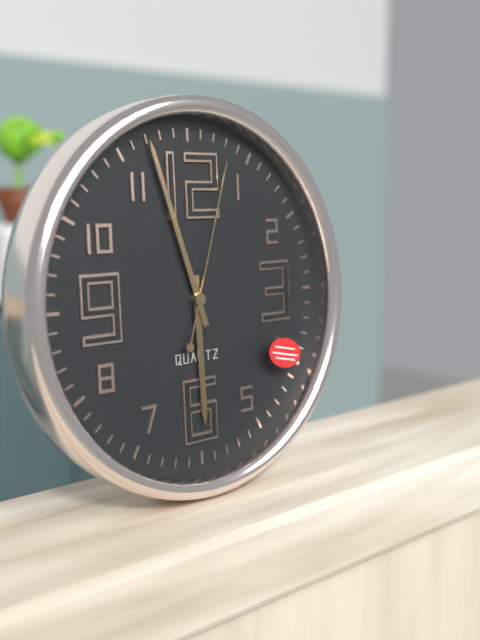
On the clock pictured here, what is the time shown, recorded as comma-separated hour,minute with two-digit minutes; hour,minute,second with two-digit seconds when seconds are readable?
5,57,03
